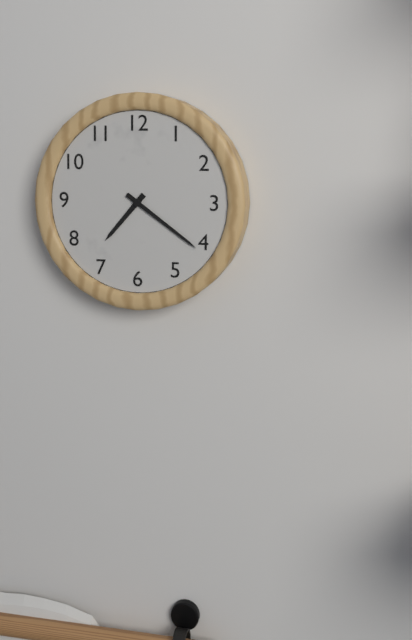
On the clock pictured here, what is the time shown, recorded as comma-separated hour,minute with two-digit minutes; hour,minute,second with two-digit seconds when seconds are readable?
7,21
